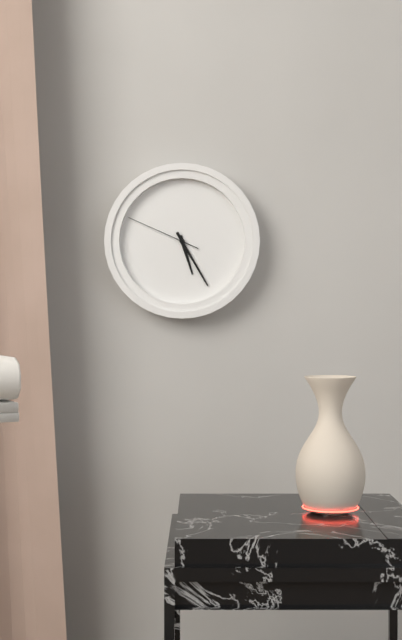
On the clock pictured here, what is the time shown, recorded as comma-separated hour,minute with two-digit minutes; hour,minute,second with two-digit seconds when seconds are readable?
5,25,49
